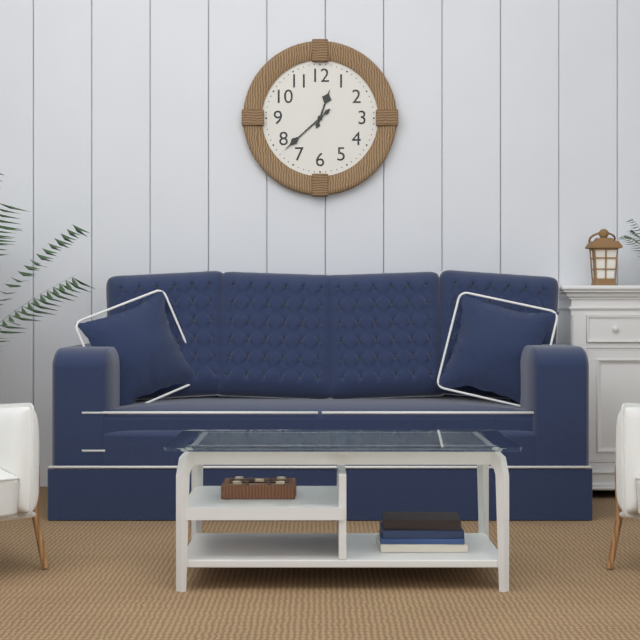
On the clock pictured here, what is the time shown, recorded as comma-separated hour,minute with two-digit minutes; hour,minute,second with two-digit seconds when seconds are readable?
12,38
